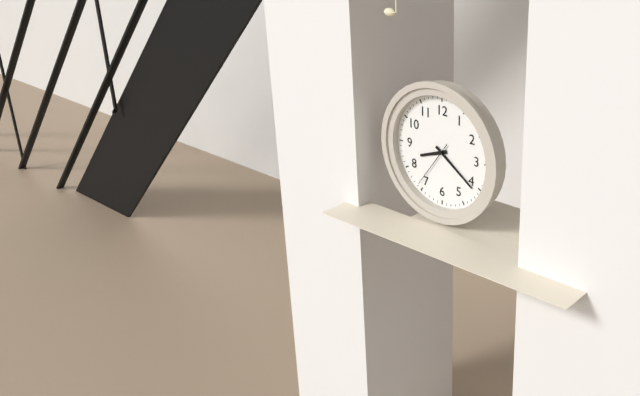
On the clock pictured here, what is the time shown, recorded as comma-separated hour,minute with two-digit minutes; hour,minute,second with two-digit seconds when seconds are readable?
8,21
